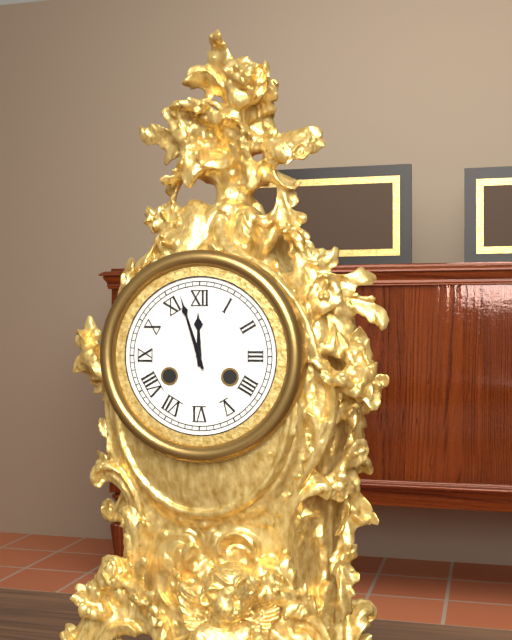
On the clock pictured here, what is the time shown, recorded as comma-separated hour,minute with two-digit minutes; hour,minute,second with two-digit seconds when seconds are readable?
11,57
